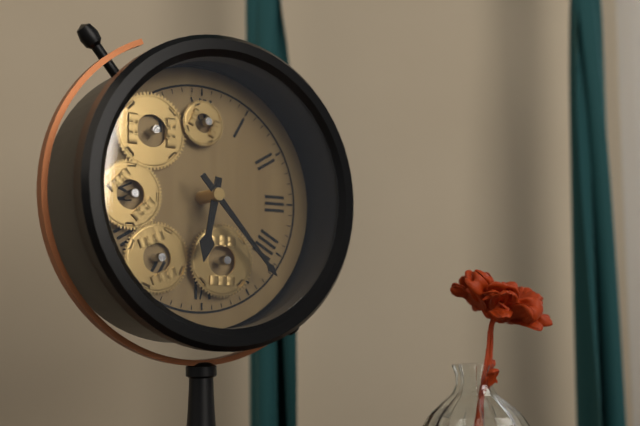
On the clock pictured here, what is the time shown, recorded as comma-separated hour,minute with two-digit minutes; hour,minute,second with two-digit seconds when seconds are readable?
6,23
